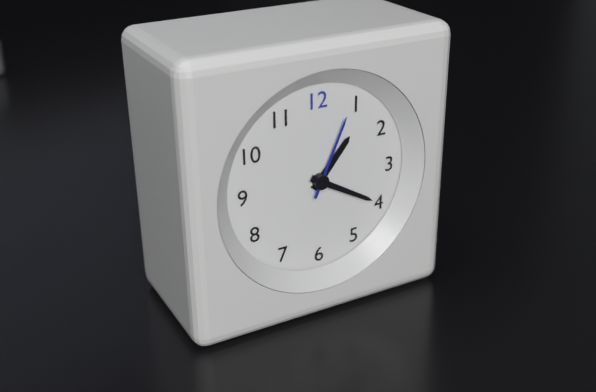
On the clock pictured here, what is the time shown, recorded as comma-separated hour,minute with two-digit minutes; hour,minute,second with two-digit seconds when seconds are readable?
1,20,04
